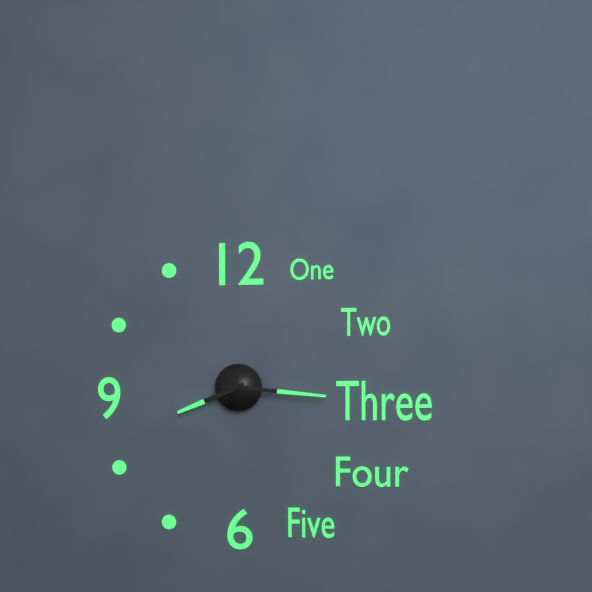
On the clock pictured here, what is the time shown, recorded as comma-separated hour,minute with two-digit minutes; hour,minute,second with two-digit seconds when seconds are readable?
8,16
